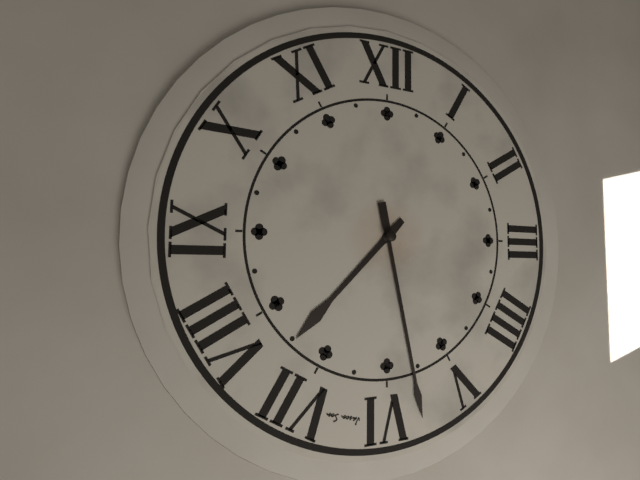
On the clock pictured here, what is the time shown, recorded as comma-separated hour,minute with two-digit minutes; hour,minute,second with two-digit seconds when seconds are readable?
7,28
